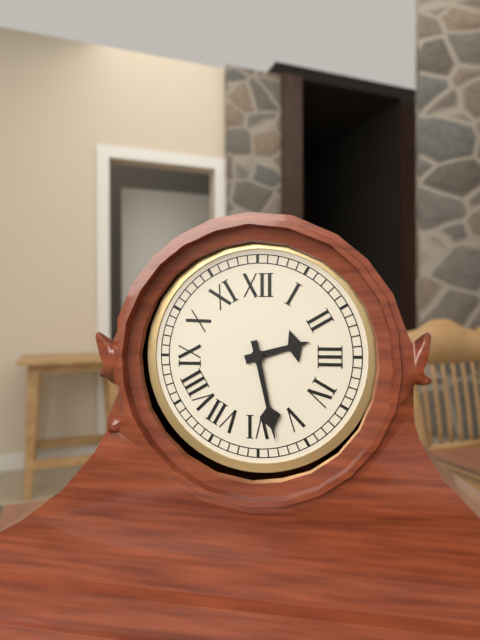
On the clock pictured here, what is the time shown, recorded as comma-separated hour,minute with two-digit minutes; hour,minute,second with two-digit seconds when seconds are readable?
2,28
